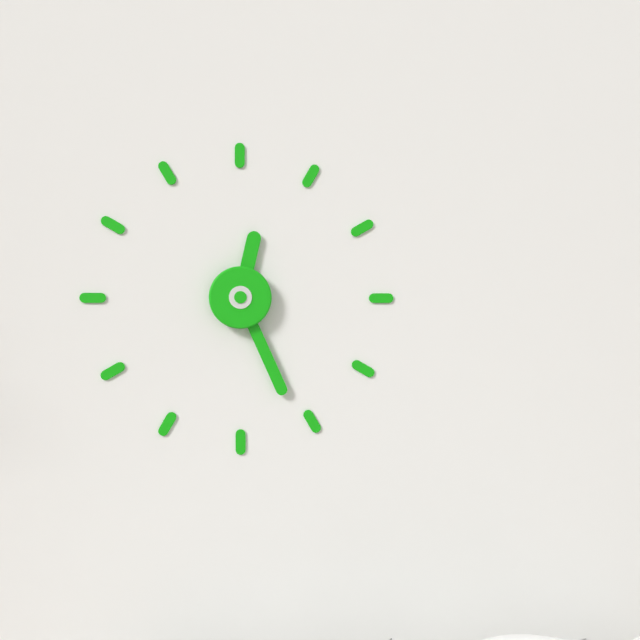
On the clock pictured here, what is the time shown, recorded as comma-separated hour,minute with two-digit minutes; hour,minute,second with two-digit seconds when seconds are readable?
12,26
